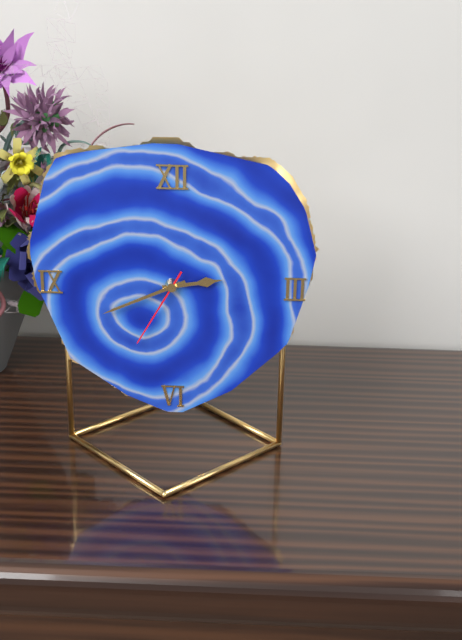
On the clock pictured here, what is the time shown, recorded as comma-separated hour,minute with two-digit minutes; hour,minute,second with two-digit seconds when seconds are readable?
2,41,35
